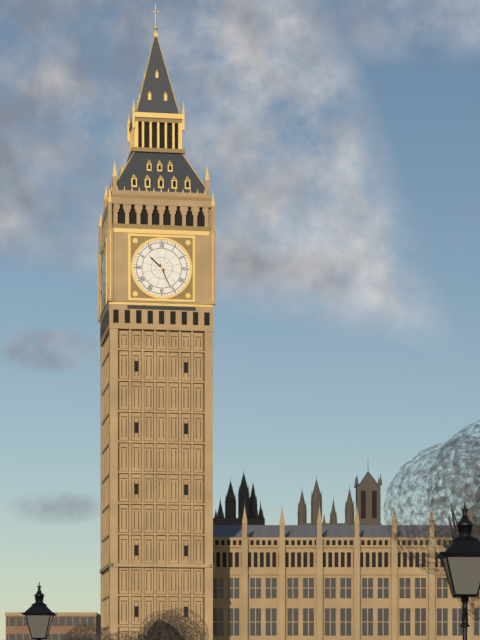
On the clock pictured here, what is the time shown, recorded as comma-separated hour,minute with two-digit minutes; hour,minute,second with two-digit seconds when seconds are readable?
10,26
